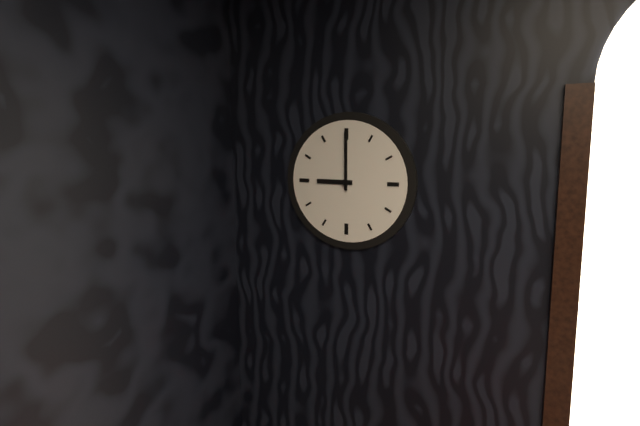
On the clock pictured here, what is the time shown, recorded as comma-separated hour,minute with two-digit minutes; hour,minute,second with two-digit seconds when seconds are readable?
9,00
